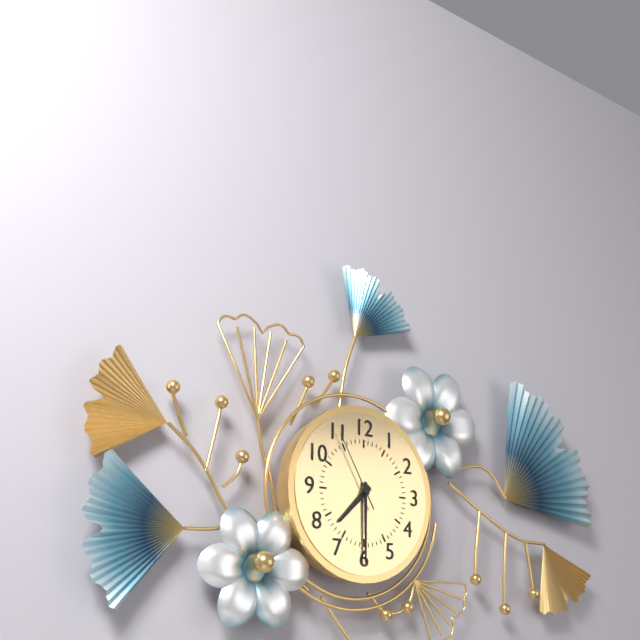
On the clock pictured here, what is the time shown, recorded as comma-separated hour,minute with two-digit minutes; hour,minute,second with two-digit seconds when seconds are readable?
7,30,55
